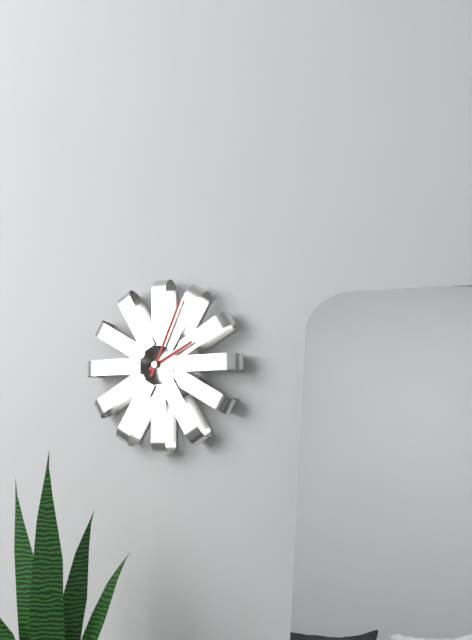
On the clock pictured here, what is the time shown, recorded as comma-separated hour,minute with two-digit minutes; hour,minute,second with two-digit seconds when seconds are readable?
2,04
